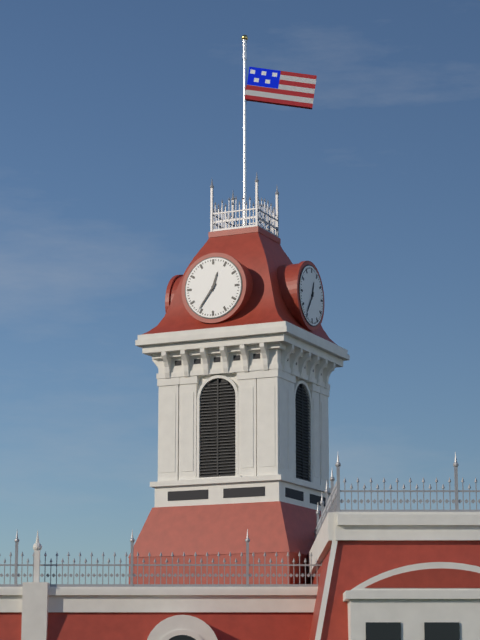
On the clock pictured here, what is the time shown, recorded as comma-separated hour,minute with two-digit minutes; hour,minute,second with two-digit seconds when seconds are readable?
12,36
